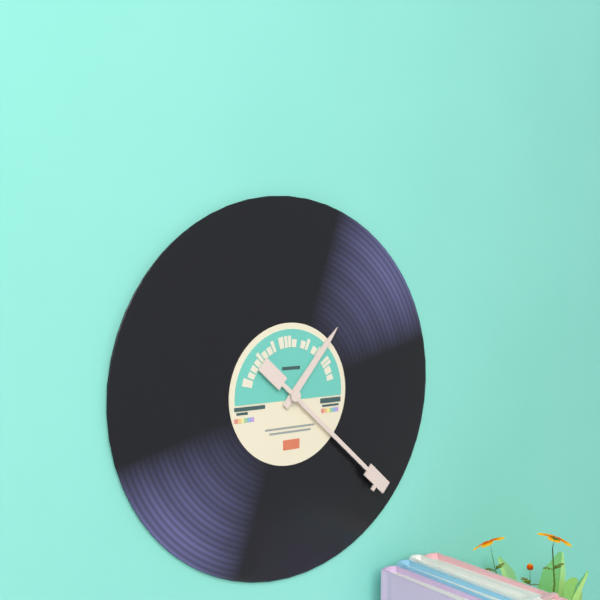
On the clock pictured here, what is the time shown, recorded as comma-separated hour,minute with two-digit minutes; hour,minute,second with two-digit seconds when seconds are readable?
1,22
